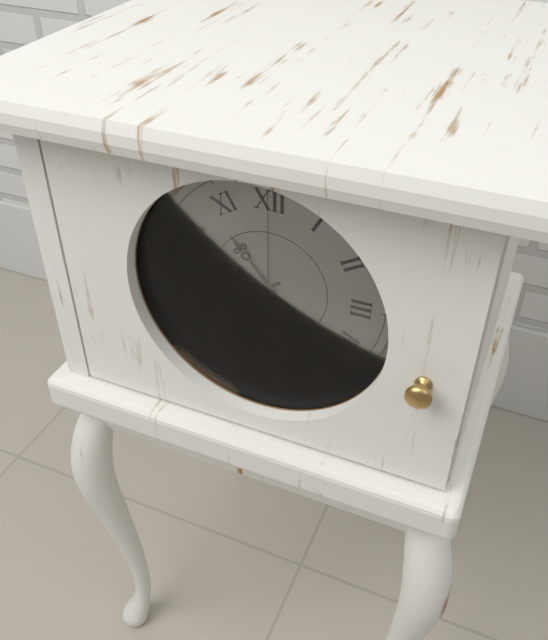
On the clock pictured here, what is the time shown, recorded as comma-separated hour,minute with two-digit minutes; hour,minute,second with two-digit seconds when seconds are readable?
10,39,00
